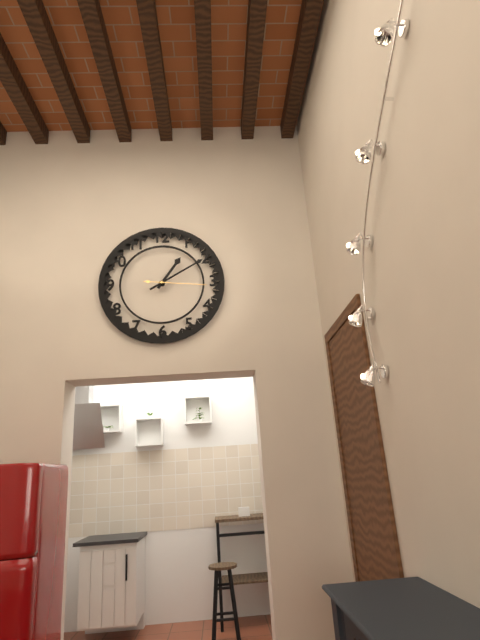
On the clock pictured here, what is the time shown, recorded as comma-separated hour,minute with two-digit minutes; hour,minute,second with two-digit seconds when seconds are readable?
1,10,16
